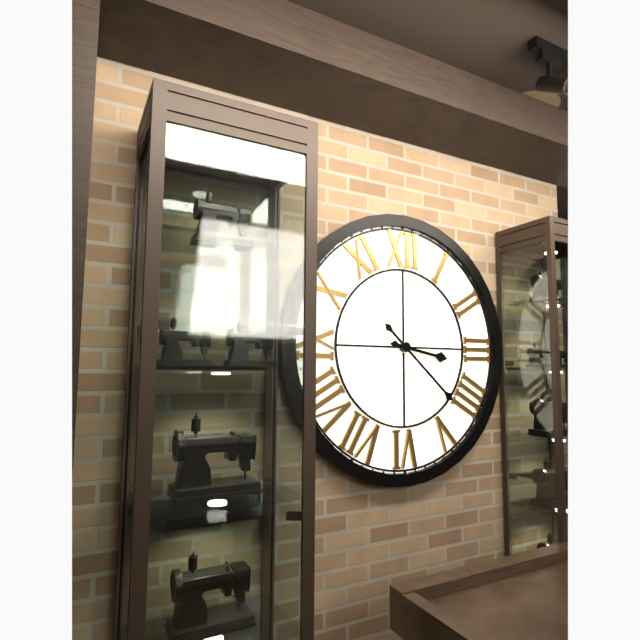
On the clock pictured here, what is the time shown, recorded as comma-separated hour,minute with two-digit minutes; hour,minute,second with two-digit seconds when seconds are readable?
3,22
